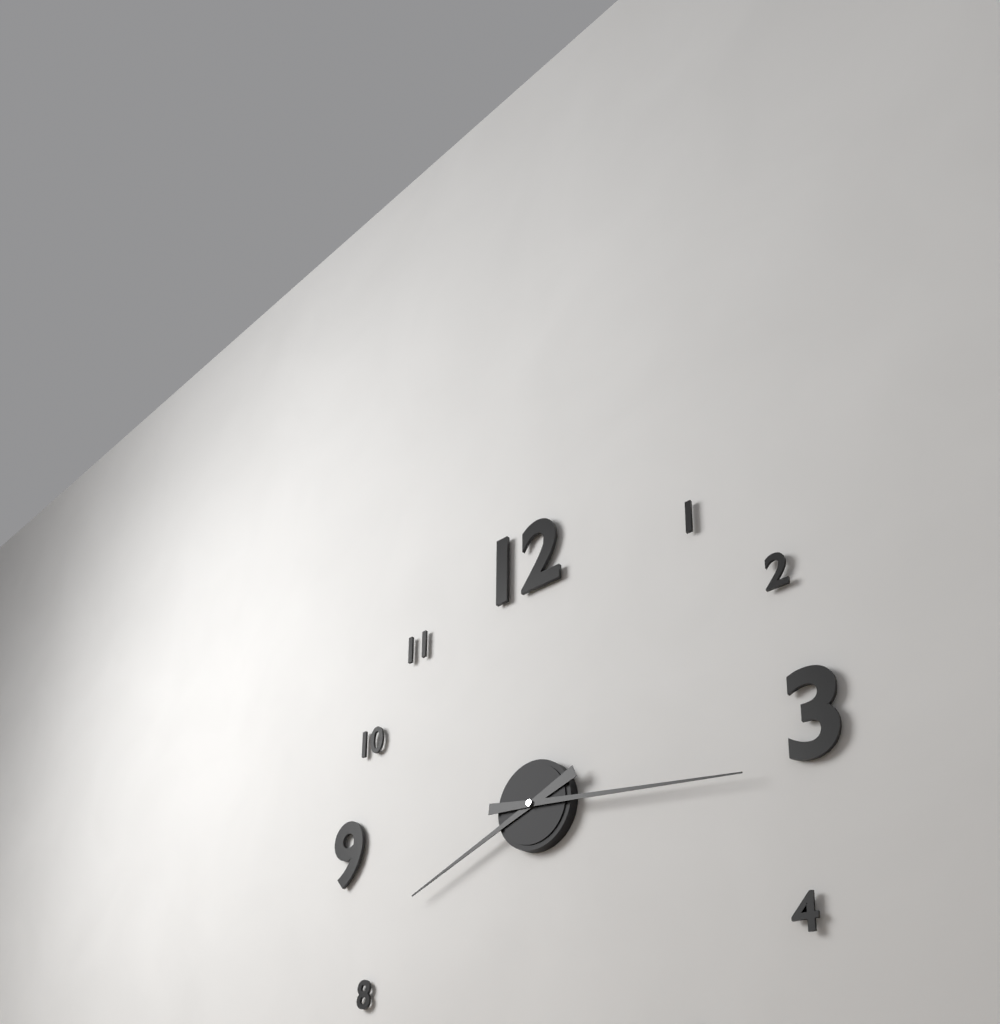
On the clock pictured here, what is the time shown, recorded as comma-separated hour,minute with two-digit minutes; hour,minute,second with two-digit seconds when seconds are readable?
8,16
